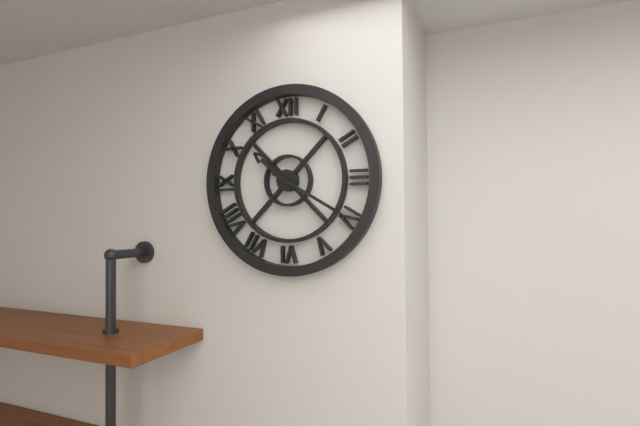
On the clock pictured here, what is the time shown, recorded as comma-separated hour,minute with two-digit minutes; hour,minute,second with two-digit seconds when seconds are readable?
10,20
